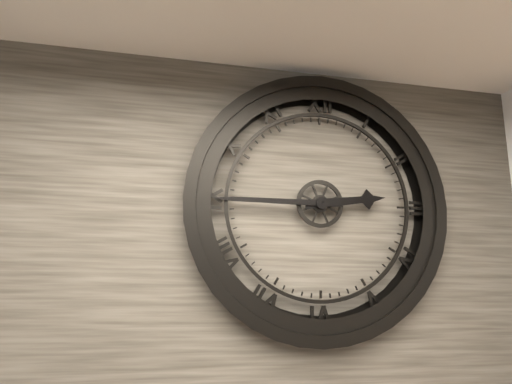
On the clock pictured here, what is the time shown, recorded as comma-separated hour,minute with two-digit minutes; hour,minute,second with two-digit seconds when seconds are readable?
2,45
